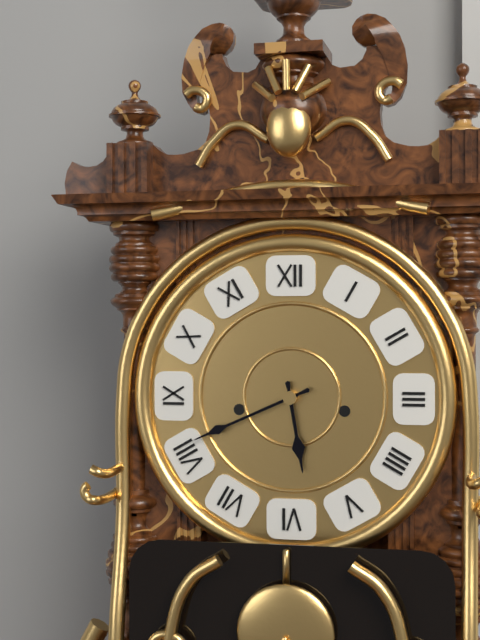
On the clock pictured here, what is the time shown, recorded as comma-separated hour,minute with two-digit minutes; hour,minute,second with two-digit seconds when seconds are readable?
5,41
